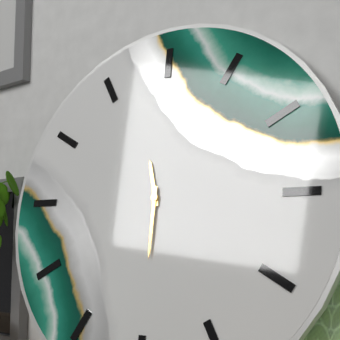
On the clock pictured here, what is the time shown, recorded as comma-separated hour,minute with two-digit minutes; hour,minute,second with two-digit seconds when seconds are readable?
11,30
